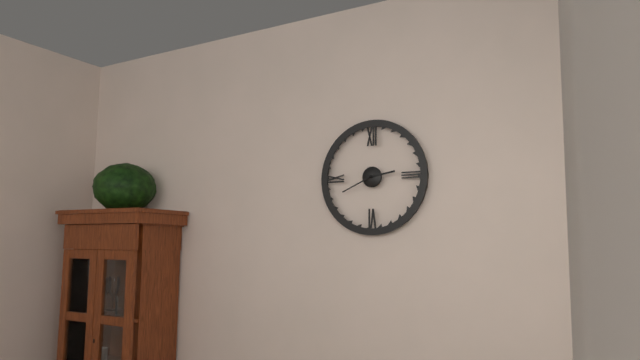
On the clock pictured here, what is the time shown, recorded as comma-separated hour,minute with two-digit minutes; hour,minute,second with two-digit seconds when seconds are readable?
2,41
